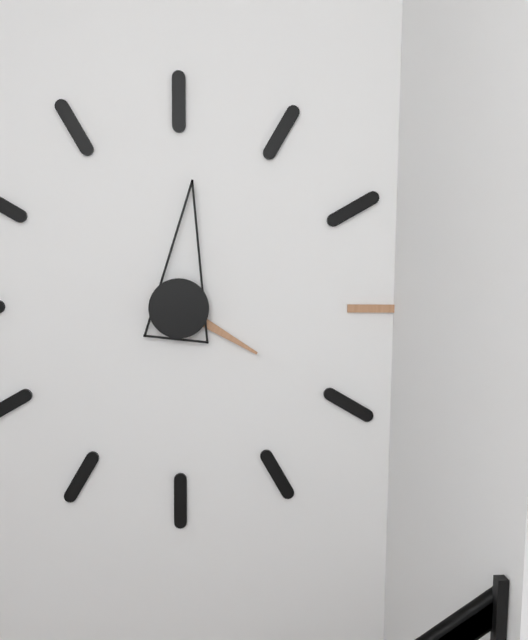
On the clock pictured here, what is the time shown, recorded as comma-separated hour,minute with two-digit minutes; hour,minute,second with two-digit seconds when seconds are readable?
4,01
